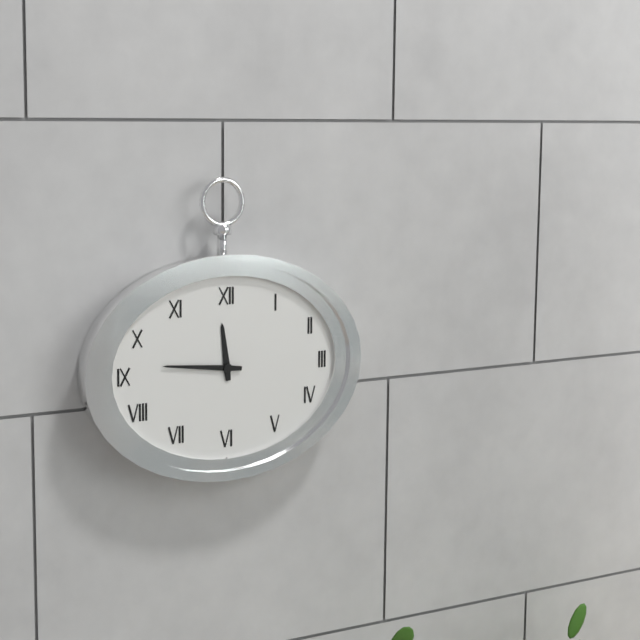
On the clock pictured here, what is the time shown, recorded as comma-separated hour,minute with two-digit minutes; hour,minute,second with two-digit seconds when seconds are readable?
11,46
